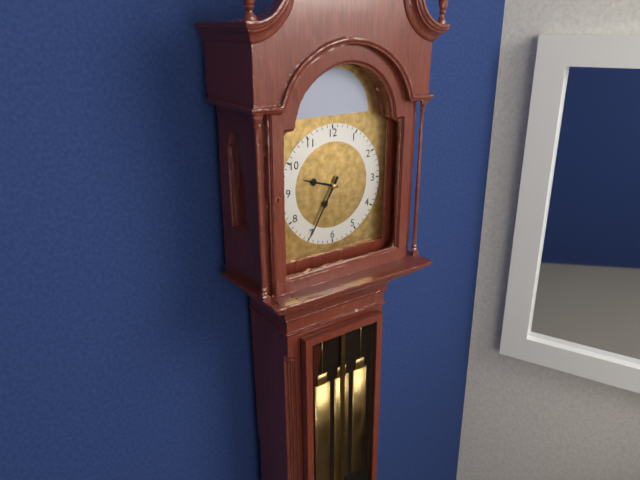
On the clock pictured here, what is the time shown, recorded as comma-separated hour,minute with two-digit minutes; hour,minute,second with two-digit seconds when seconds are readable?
9,35
